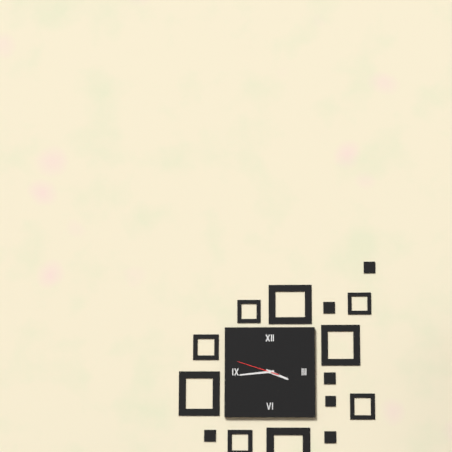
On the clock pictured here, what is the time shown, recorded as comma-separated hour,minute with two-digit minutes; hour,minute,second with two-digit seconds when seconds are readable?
3,44
